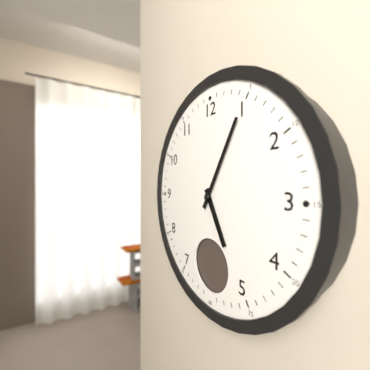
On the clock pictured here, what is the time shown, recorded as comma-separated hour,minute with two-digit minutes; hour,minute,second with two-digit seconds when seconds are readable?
5,05
